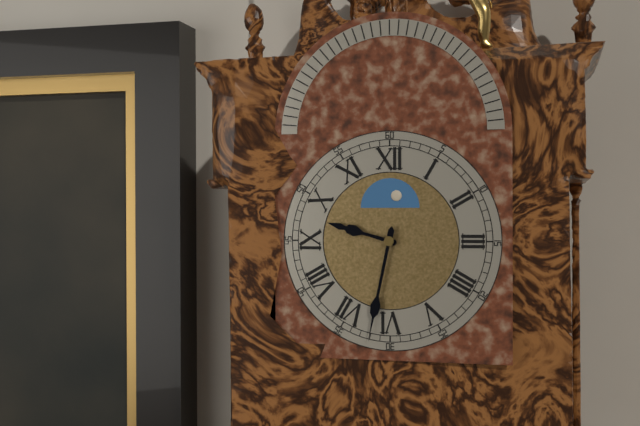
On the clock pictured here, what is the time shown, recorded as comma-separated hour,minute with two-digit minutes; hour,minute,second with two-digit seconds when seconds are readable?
9,32
